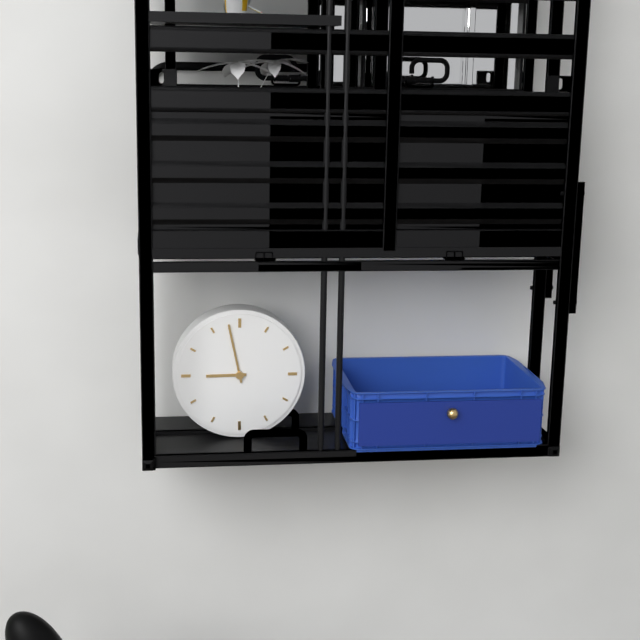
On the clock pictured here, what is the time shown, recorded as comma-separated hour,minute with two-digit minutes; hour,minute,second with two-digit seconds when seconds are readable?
8,58
